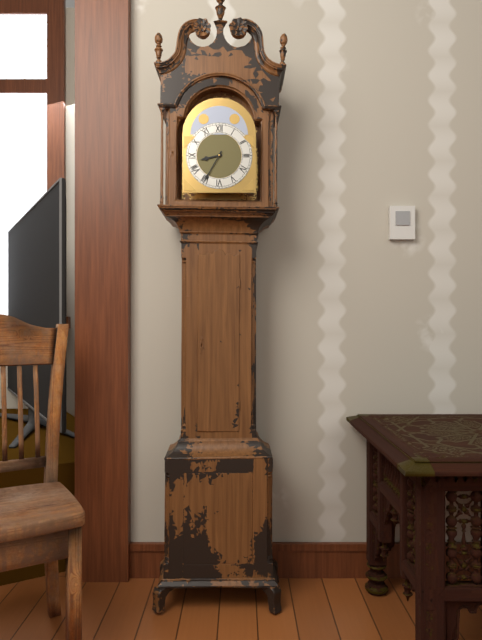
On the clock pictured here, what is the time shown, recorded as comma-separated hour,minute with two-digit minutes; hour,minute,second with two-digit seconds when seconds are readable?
8,35
